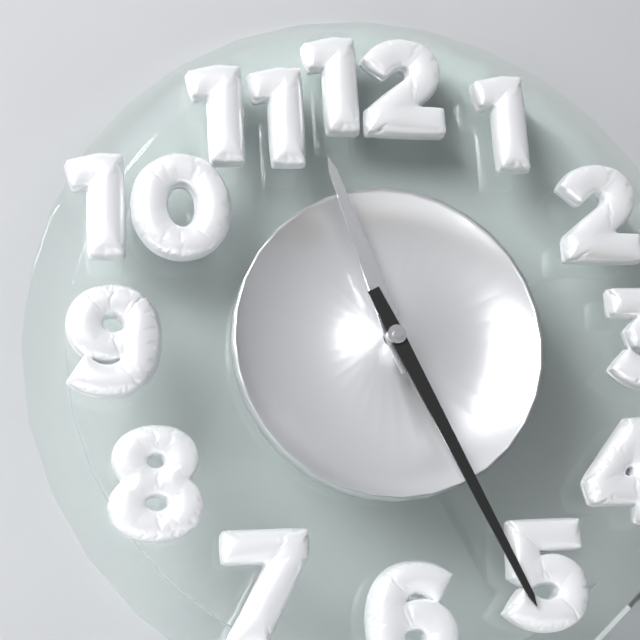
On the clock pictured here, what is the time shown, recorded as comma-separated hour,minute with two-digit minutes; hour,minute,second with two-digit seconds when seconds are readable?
11,26
